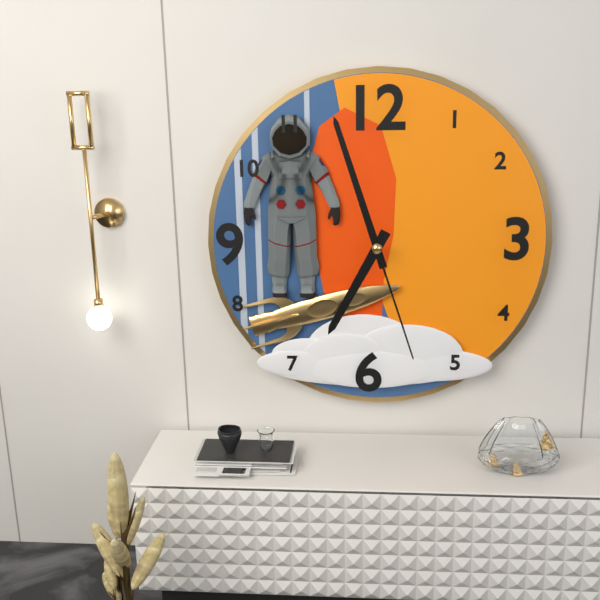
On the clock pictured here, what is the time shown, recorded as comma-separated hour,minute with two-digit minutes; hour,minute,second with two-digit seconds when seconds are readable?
6,57,27
